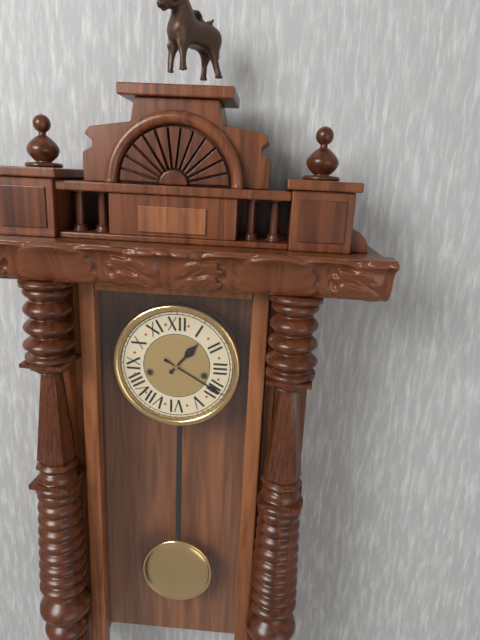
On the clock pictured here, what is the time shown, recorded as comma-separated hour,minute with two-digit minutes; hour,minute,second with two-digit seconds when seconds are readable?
1,20
